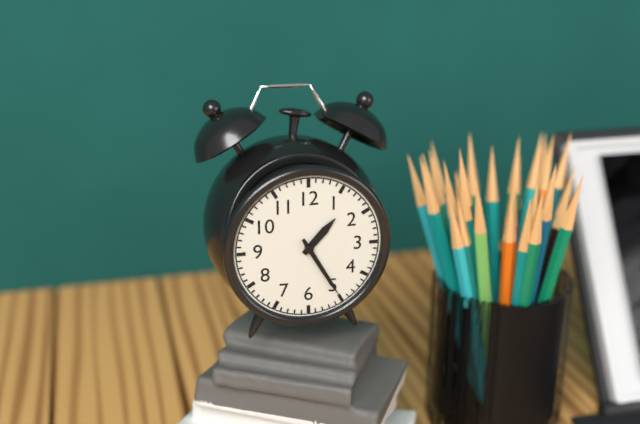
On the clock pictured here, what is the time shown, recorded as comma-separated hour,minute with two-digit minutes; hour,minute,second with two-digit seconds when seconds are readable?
1,25
